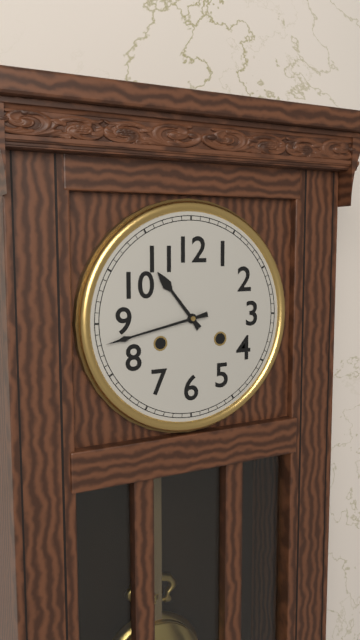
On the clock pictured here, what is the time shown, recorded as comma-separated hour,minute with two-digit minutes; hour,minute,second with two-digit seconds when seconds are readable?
10,43
